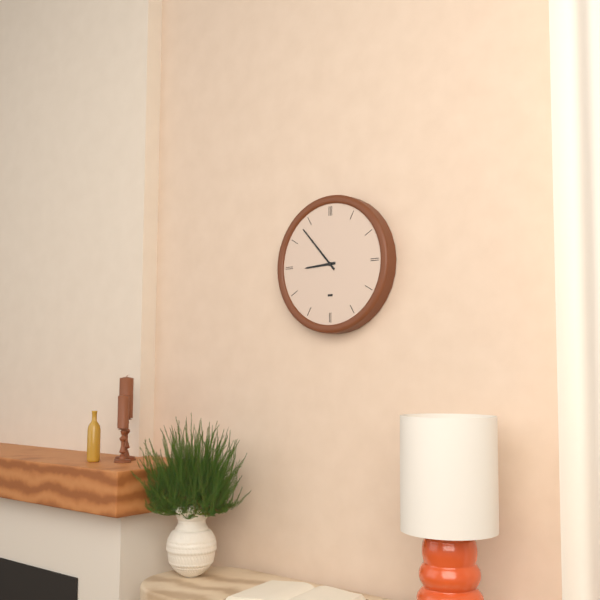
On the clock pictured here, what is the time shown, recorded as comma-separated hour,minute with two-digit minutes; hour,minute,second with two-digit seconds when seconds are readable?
8,53
